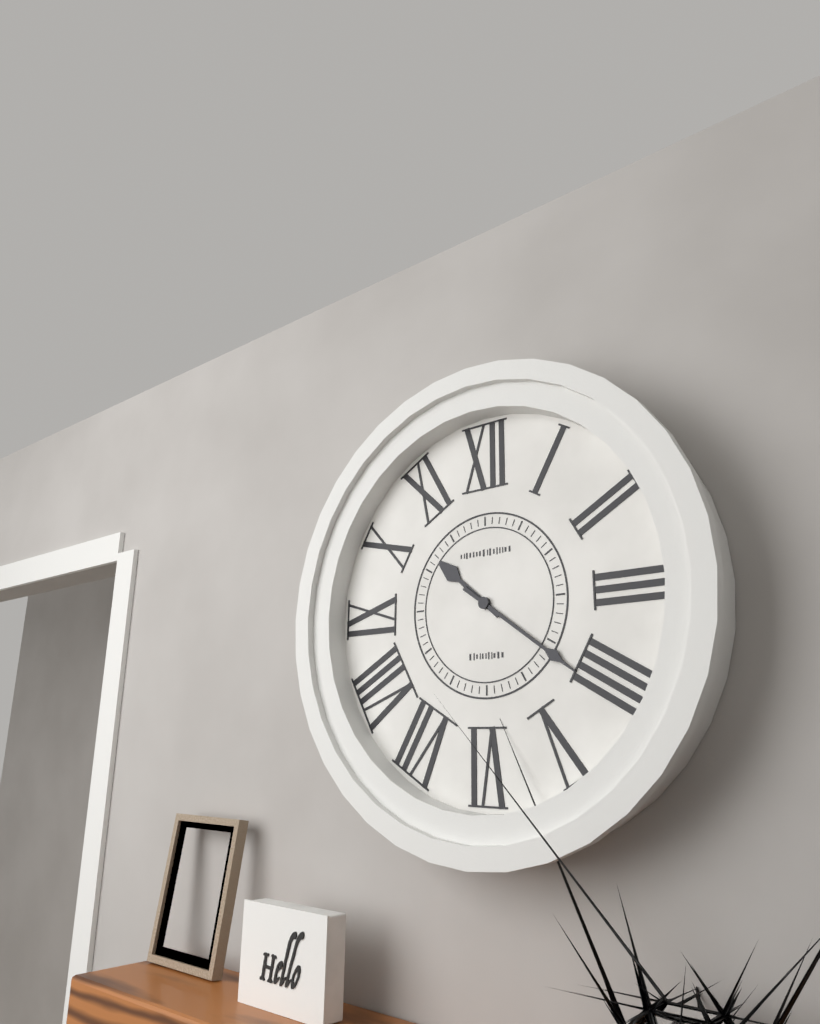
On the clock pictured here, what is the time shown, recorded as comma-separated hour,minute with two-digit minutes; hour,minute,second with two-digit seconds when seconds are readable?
10,21
